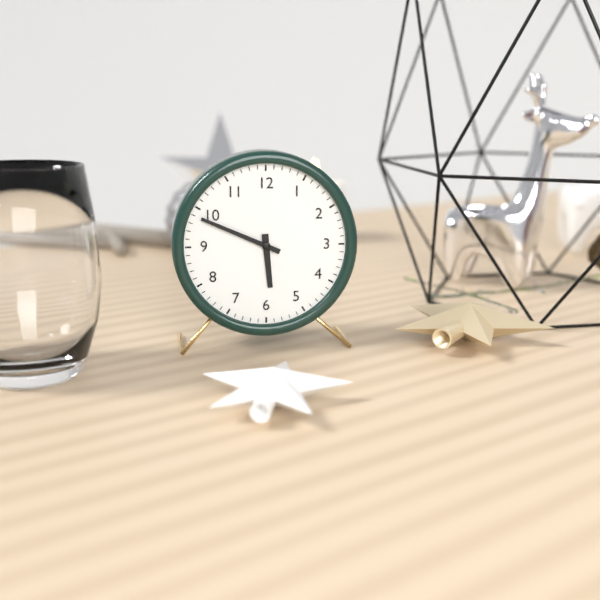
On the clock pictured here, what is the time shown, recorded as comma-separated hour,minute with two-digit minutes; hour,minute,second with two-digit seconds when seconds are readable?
5,49
